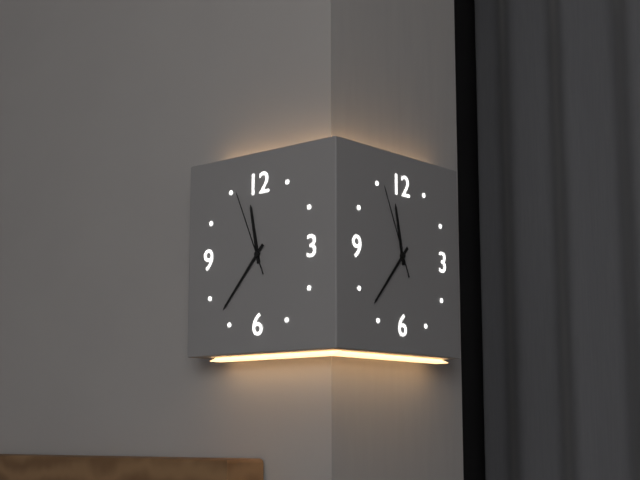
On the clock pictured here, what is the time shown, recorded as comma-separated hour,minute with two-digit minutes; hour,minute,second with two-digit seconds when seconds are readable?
11,37,56
